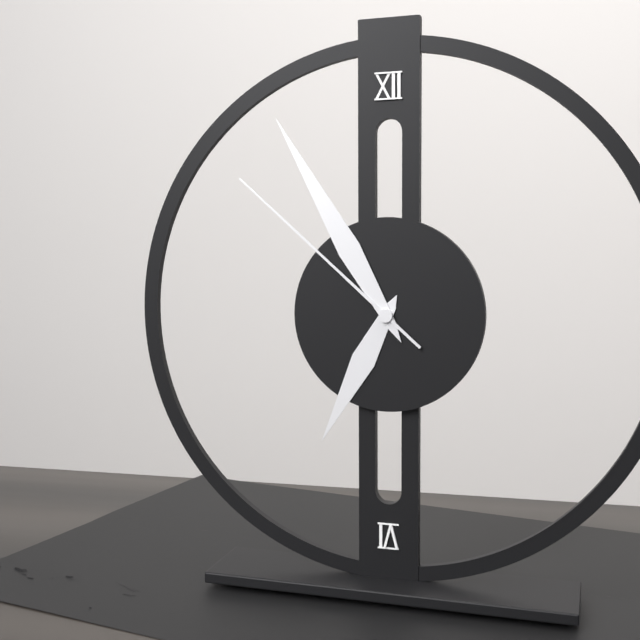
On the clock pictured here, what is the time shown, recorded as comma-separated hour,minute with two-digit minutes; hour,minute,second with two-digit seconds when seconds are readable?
6,55,52
